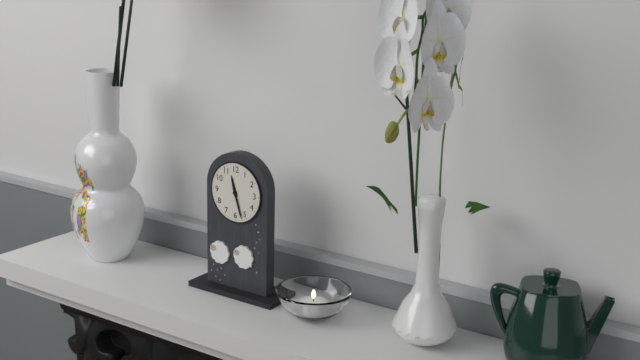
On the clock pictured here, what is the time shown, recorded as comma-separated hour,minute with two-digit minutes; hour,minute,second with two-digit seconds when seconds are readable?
11,27
